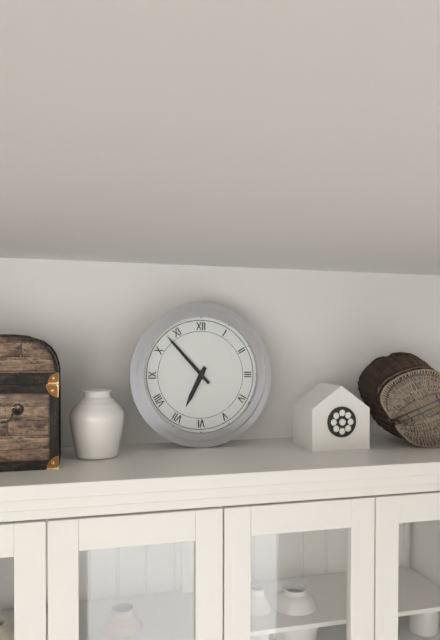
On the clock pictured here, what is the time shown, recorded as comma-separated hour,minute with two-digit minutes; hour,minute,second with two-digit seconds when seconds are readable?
6,53
